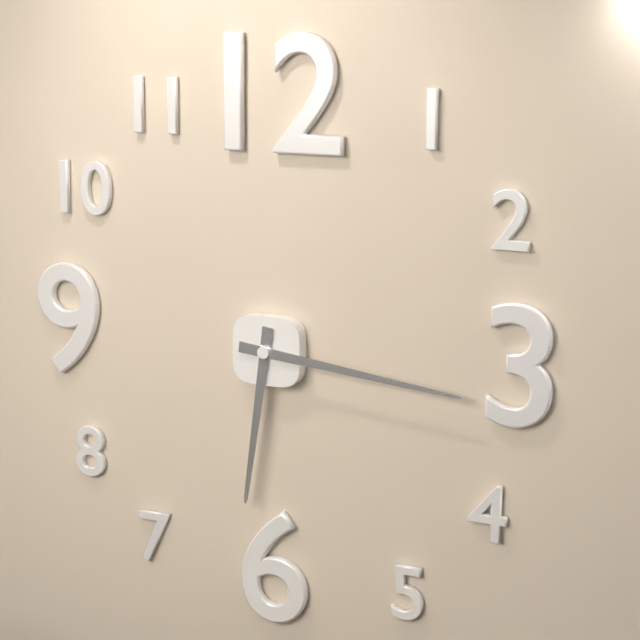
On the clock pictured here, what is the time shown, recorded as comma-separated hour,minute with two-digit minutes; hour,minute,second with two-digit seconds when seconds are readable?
6,16
